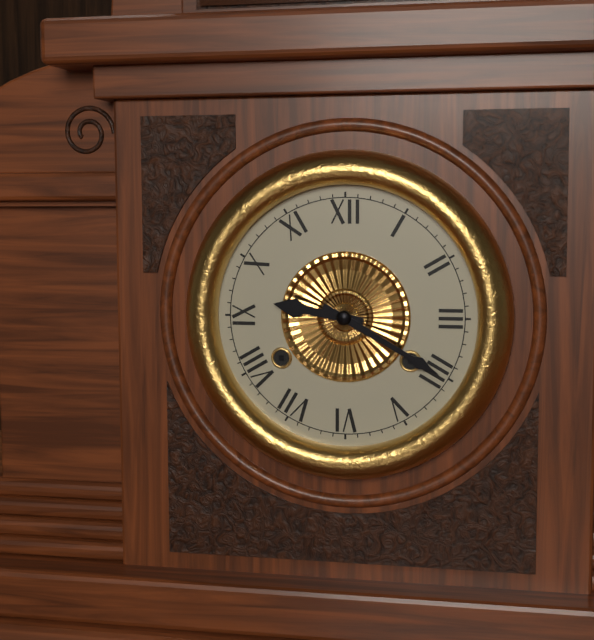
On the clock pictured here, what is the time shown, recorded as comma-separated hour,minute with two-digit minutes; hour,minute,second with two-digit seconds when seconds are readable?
9,20
